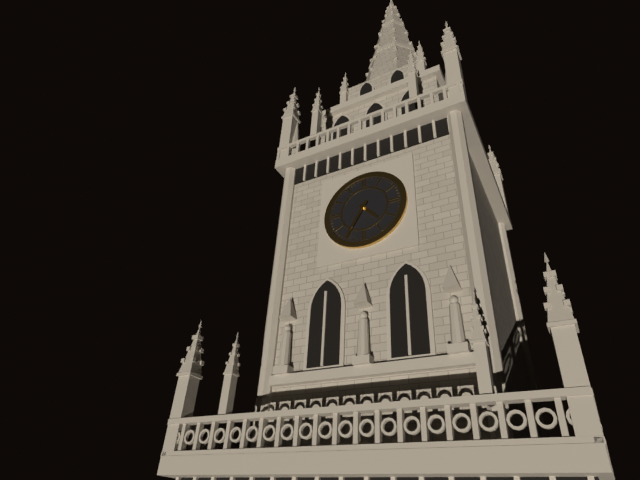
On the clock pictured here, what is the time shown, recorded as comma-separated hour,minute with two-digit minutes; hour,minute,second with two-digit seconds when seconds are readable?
4,35
